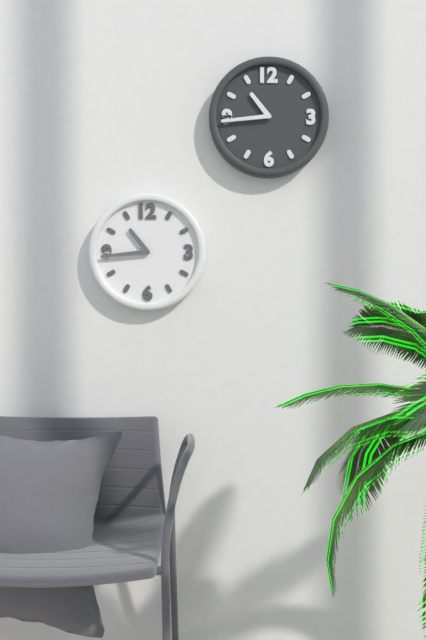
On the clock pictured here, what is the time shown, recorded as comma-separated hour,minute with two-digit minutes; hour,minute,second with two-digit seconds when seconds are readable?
10,44
